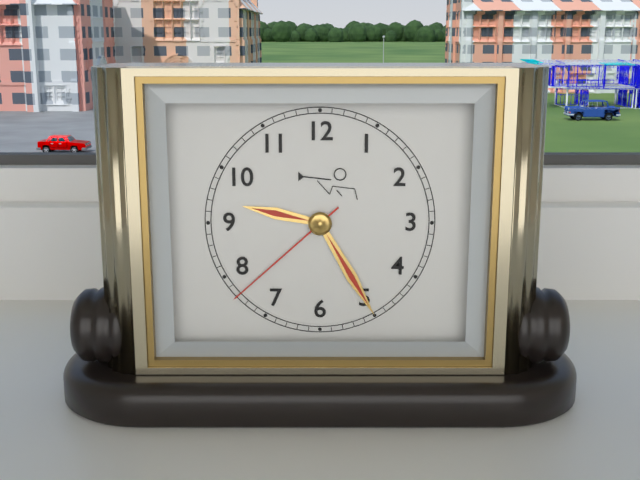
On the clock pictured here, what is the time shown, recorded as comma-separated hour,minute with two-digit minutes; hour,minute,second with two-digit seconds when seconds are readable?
9,25,38
